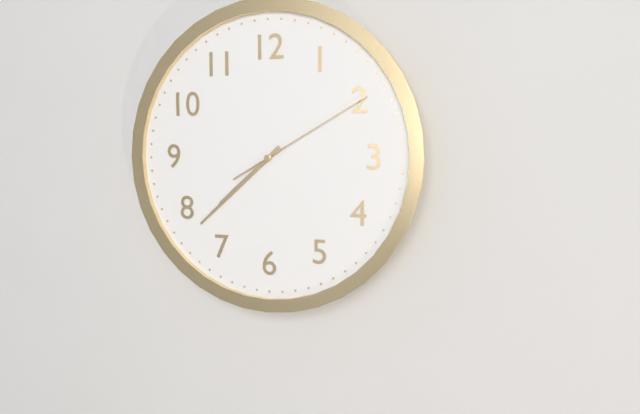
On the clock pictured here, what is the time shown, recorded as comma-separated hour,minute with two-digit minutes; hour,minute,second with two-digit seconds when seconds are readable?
7,38,10
